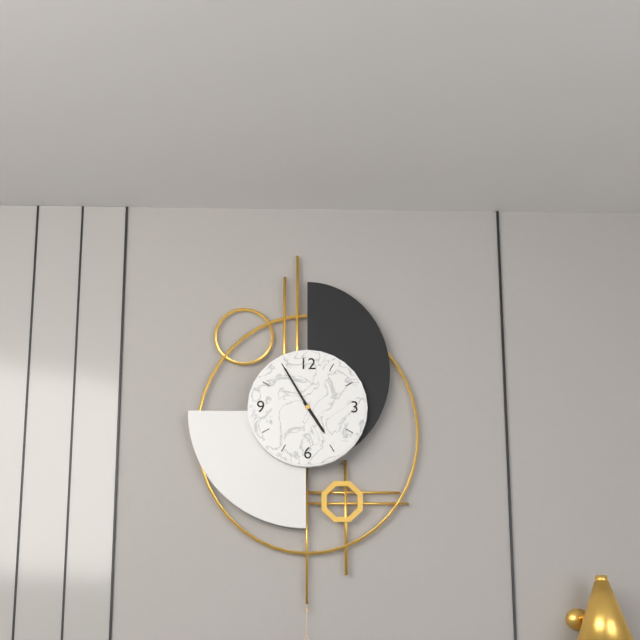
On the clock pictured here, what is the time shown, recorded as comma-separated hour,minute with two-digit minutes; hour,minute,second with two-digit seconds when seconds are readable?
4,55
